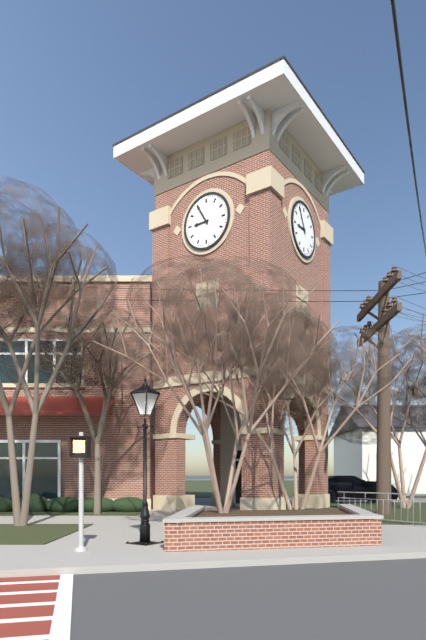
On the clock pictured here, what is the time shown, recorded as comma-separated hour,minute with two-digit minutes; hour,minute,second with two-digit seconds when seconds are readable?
8,55
